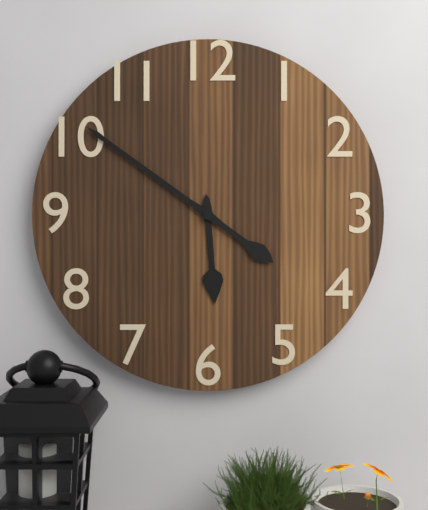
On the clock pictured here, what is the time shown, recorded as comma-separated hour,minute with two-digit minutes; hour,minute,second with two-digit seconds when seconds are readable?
5,51
